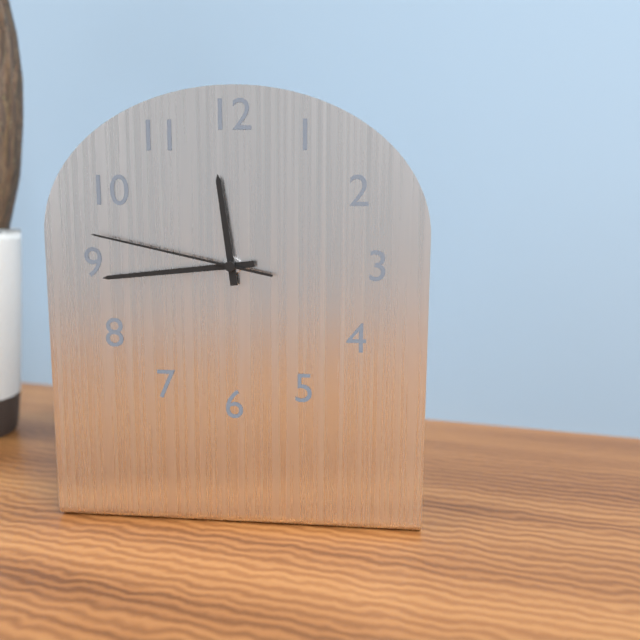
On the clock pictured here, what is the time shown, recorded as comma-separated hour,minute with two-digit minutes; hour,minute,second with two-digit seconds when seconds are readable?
11,44,47
